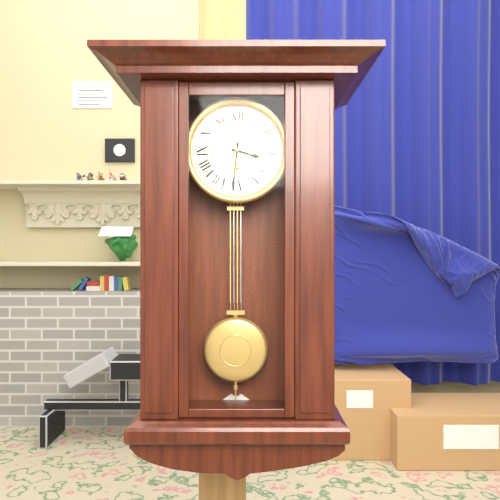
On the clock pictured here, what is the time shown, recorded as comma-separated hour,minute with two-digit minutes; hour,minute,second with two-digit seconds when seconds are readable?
3,31
